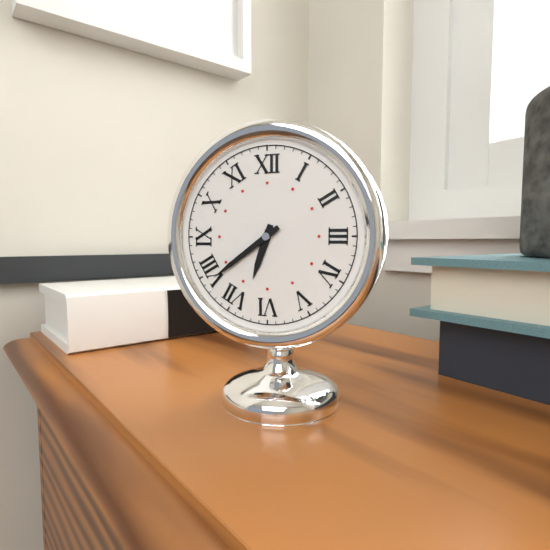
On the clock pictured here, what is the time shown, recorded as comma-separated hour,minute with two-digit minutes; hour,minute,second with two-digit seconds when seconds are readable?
6,39
